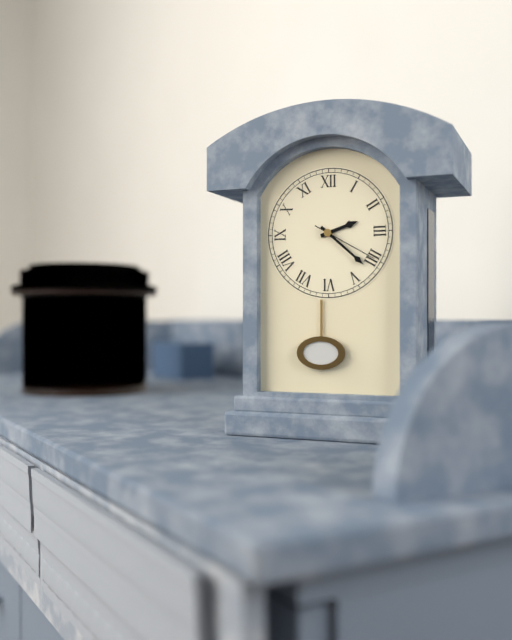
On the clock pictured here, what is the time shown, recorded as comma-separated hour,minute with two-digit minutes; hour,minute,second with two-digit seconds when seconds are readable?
2,22
